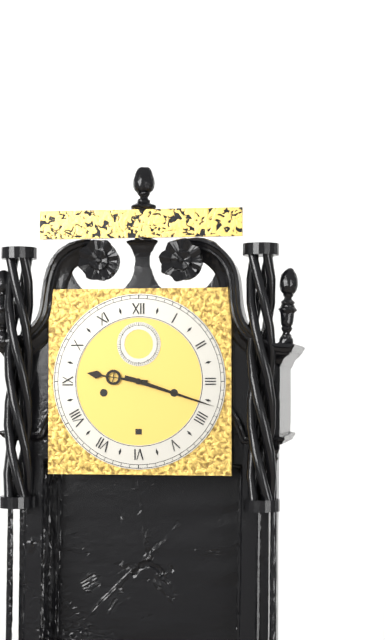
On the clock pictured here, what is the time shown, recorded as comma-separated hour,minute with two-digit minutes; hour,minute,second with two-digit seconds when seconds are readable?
9,18
